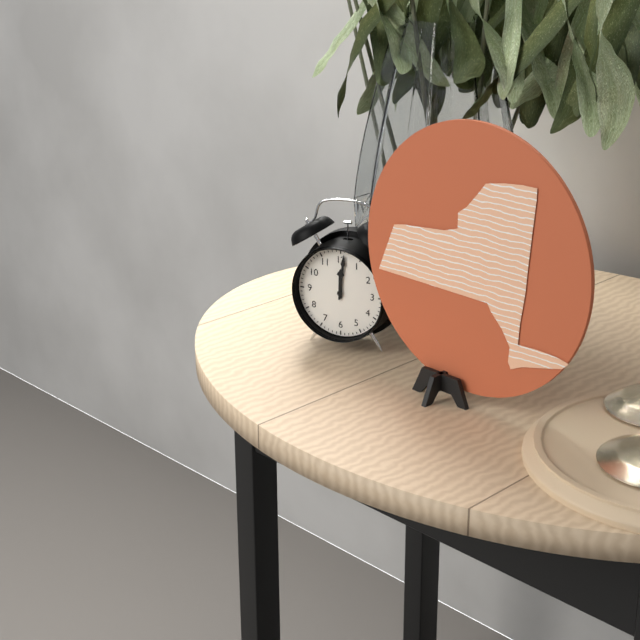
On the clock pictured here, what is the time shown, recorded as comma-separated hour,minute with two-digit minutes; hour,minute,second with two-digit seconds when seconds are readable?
12,01
